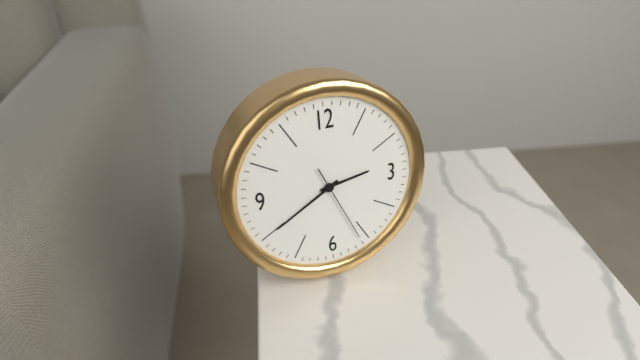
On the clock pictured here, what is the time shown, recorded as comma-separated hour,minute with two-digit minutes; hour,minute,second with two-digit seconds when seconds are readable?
2,40,26
